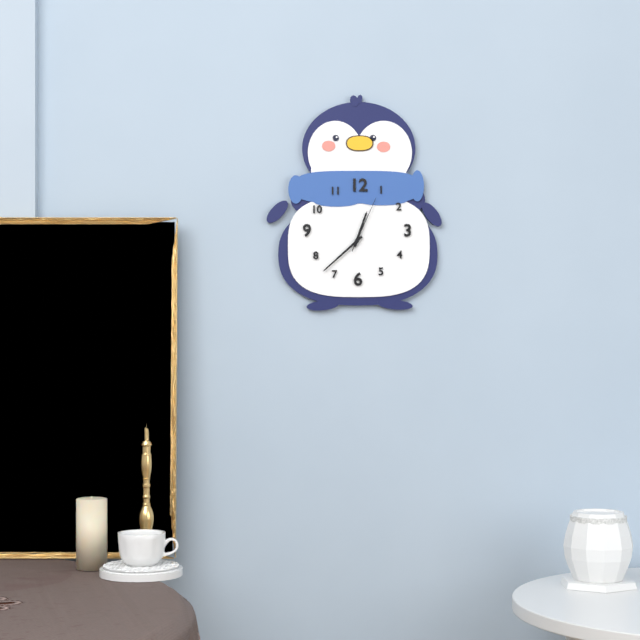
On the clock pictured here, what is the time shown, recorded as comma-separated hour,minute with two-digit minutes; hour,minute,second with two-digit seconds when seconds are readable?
12,38,04
